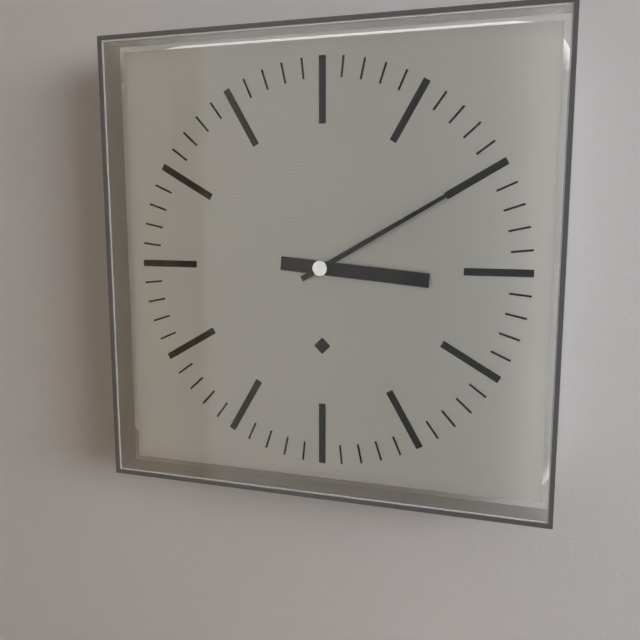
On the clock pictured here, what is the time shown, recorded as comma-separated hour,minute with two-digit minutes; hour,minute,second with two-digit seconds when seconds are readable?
3,10
